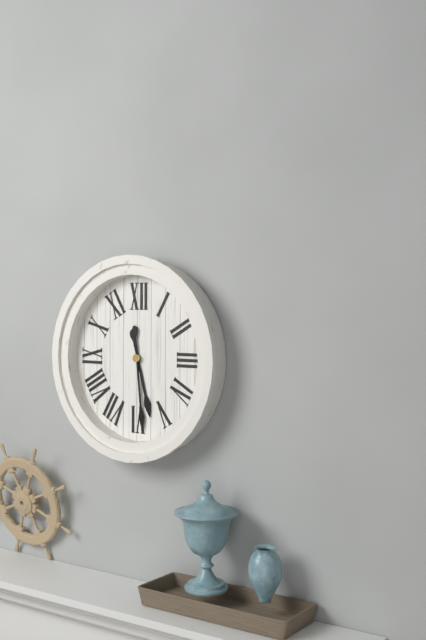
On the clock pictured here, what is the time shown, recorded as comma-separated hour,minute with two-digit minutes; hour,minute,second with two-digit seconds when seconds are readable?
5,29
